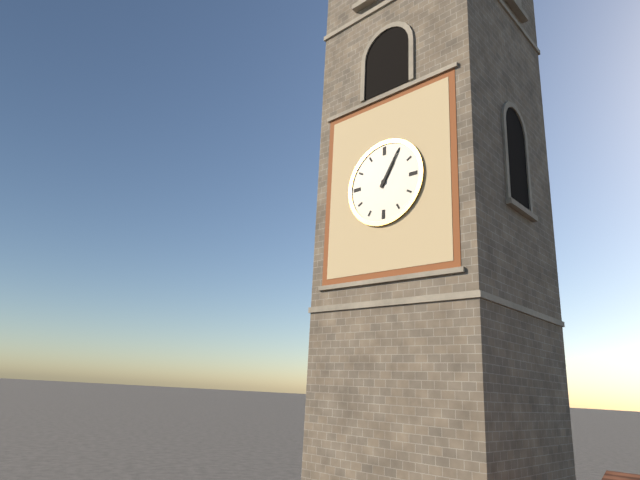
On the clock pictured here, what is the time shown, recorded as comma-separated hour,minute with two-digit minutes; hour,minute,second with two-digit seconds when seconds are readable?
1,05
